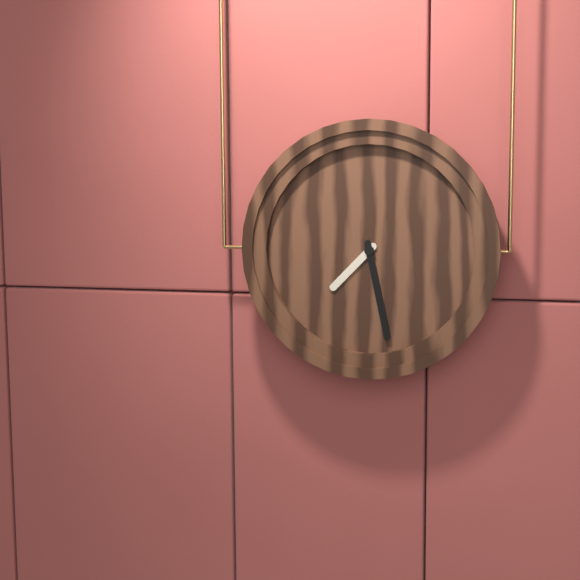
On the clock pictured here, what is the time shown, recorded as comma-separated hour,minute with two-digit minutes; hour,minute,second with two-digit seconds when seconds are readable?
7,28
